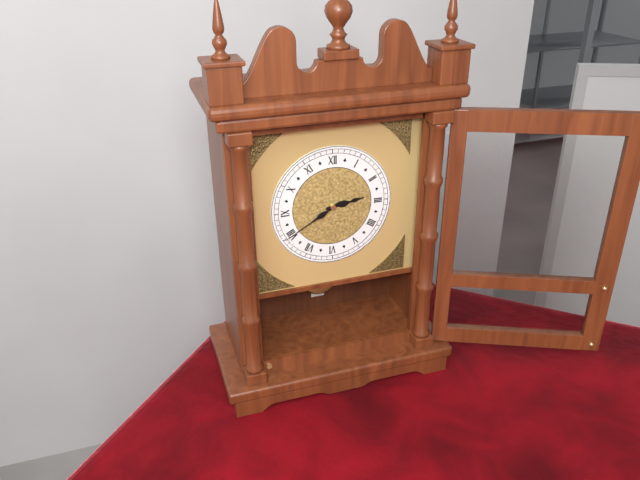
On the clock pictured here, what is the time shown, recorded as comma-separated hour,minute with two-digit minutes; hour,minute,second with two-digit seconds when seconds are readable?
2,40
